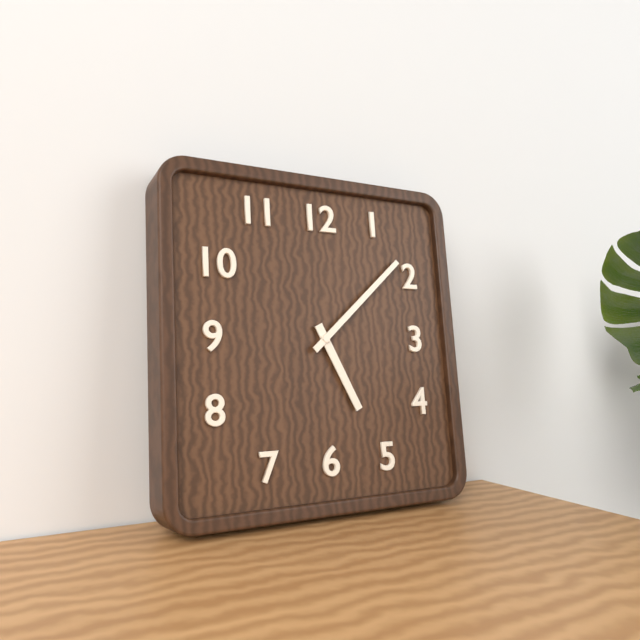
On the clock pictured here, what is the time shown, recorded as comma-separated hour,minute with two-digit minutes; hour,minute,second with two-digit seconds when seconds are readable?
5,08
